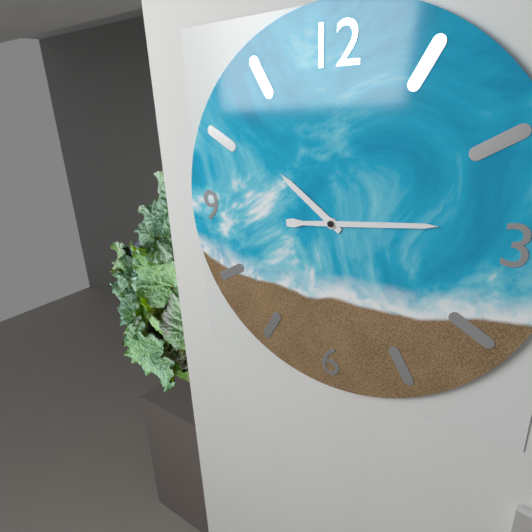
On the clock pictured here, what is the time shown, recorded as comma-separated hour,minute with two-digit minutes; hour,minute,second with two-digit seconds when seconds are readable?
10,14
